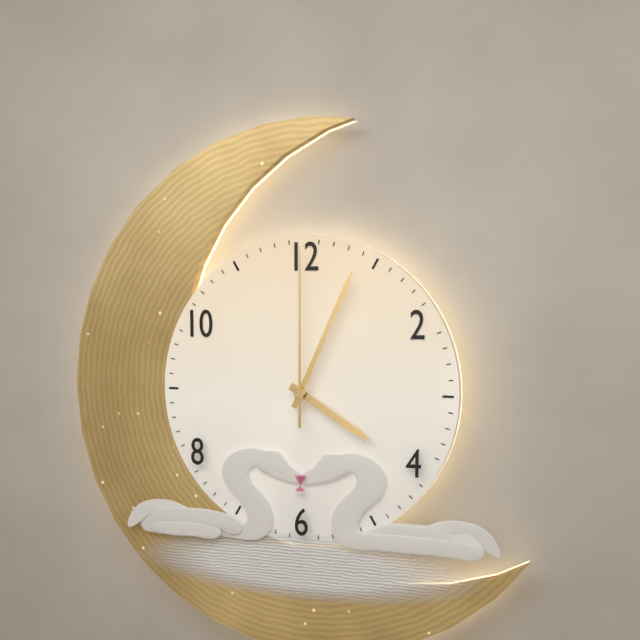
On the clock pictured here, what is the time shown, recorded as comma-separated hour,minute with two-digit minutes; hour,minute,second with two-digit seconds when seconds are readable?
4,04,00
